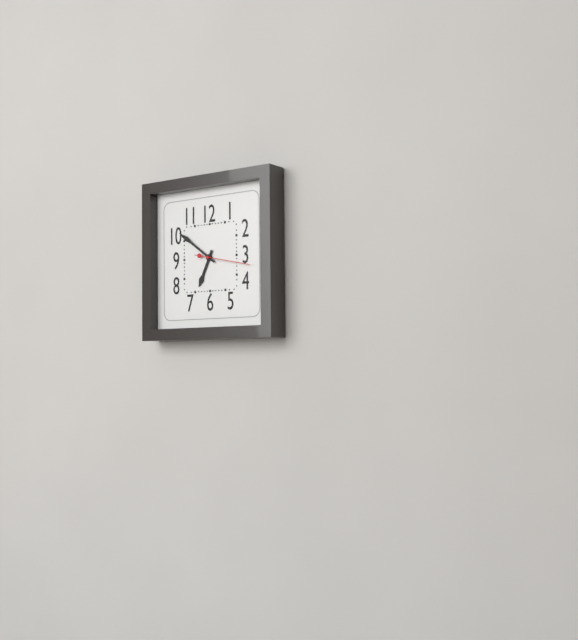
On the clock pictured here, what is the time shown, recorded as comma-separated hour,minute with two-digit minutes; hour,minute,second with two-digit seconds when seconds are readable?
6,51,17
